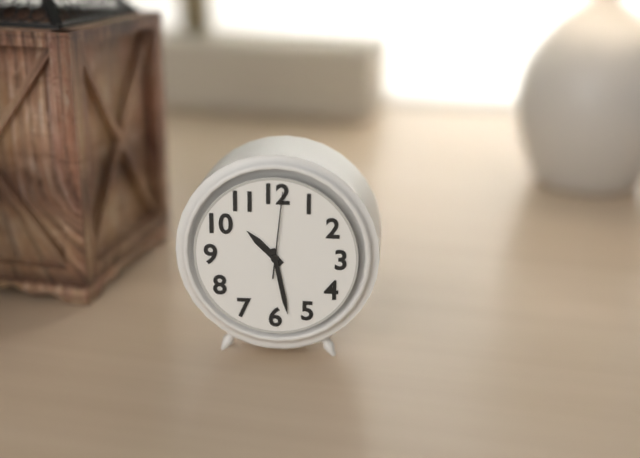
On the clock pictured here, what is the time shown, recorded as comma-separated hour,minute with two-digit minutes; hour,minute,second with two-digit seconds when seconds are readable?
10,28,01
